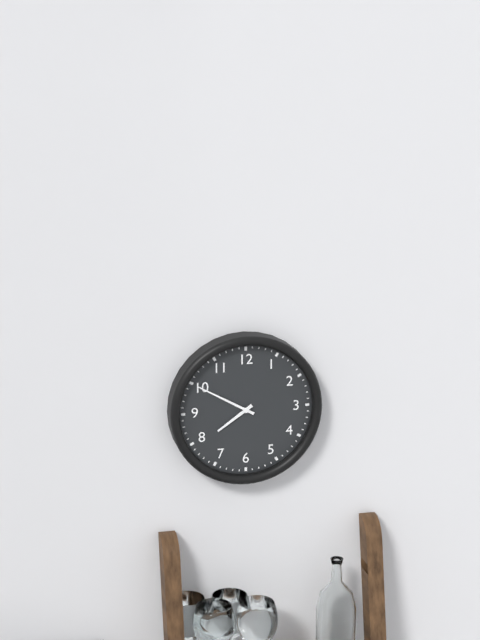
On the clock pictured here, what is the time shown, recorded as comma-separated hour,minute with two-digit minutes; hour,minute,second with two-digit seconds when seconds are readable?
7,50
